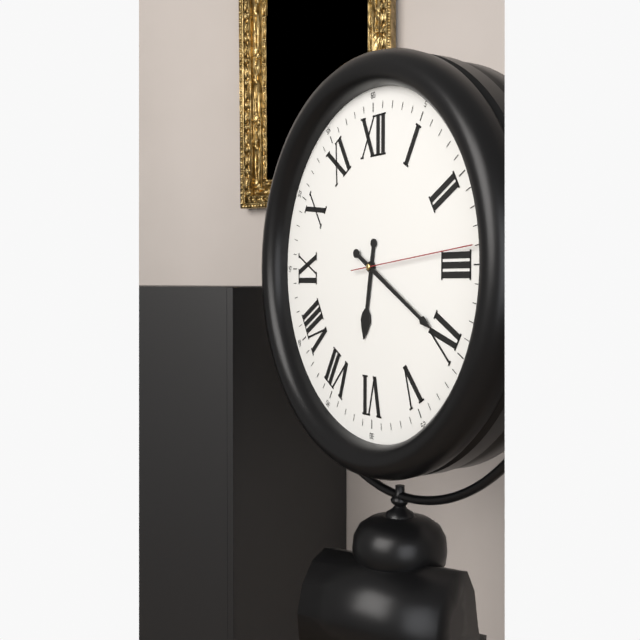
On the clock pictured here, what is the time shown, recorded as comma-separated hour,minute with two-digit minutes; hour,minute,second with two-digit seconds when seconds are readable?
6,20,14
